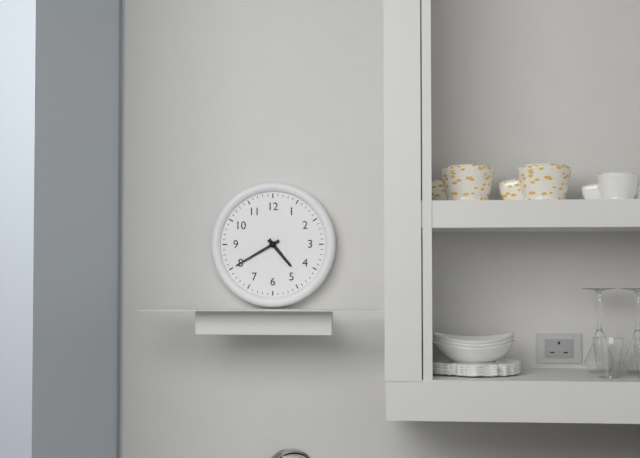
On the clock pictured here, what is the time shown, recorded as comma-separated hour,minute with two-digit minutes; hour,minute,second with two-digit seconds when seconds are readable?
4,40
